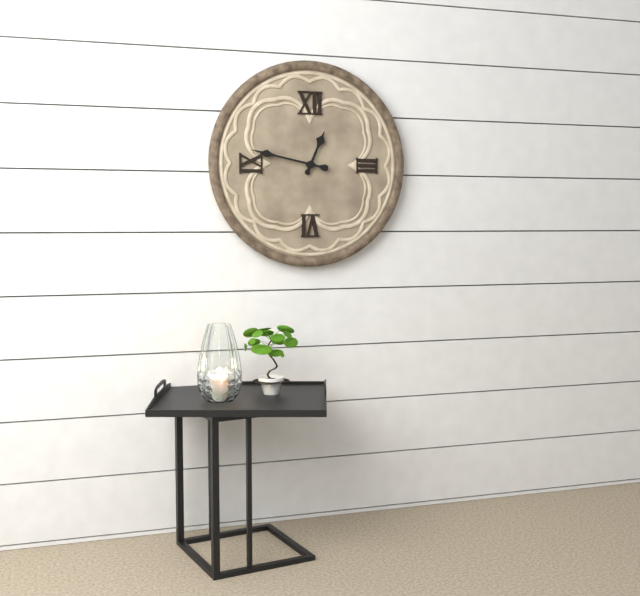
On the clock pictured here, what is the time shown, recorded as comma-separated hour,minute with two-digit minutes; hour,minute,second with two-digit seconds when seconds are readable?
12,47
